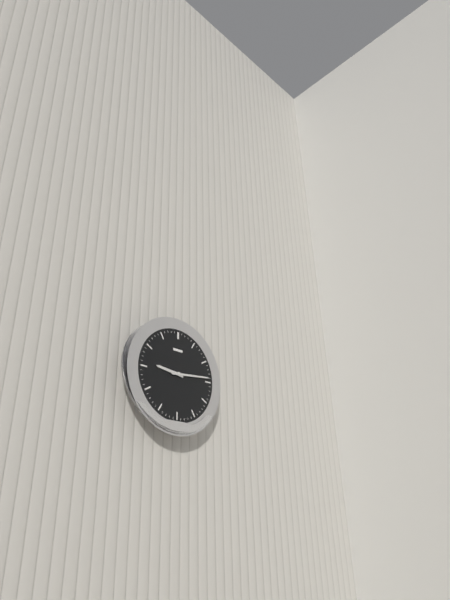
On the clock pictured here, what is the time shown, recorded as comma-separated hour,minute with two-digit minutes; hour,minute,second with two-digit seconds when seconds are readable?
9,14
